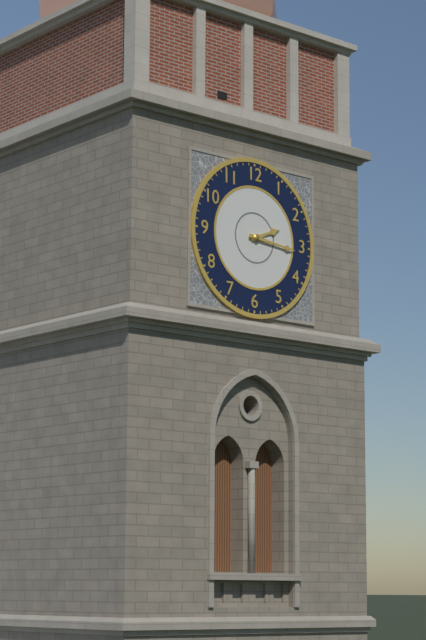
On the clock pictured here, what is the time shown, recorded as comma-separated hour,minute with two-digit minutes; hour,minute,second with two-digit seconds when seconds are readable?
2,16
